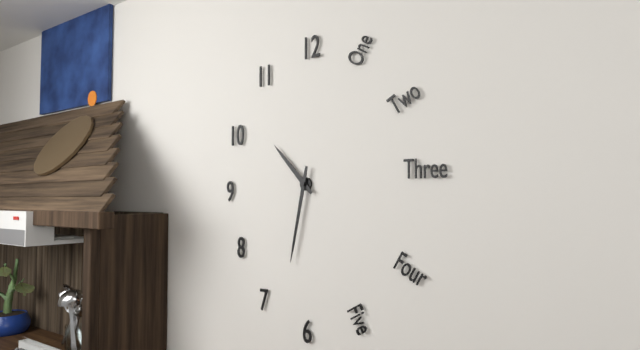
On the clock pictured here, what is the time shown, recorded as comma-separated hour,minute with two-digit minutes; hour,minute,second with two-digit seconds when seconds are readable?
10,32
